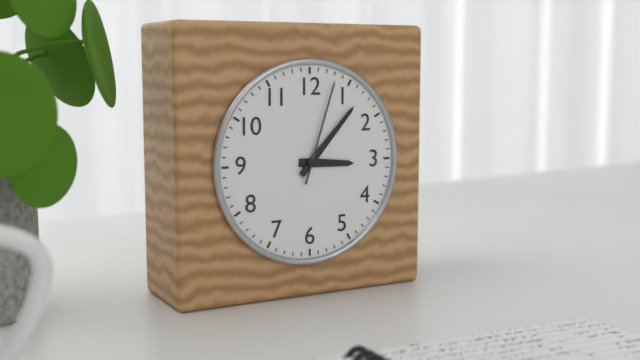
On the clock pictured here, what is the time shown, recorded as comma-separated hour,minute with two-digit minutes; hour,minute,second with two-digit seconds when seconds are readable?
3,07,03
